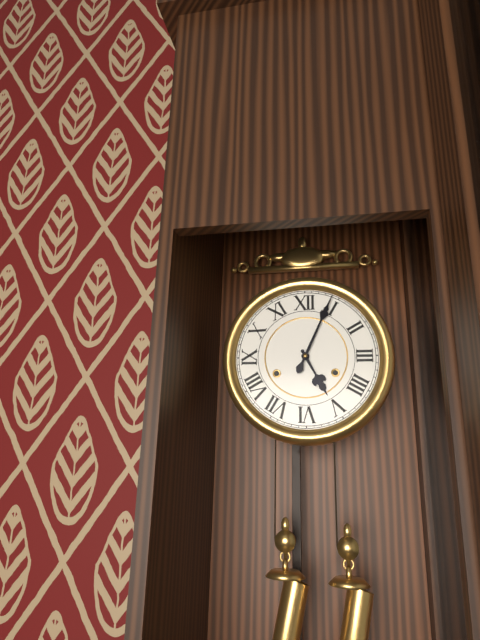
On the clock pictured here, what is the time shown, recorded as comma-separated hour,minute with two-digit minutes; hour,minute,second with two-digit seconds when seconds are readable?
5,04
